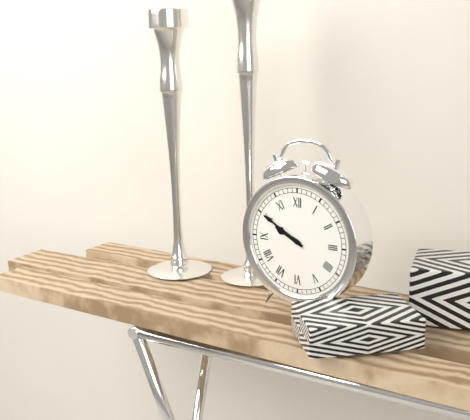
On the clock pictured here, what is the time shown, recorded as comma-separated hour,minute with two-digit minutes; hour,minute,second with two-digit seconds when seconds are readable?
9,50
